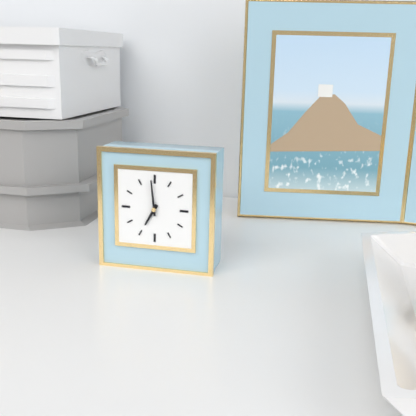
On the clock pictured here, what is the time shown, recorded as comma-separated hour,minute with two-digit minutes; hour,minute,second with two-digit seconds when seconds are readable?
6,59
